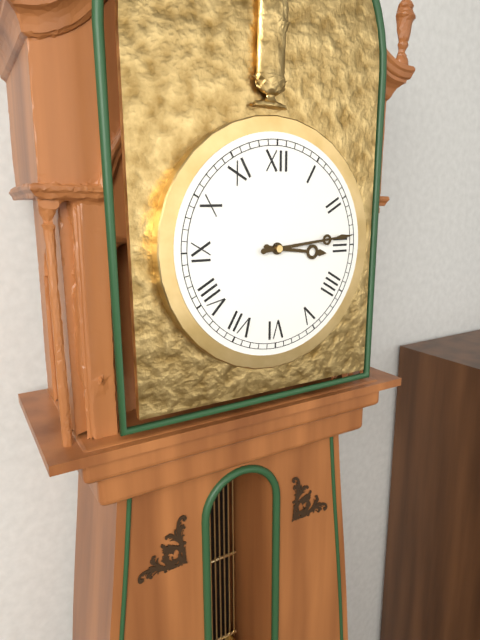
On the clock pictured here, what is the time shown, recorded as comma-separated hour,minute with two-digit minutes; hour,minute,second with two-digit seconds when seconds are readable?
3,14
